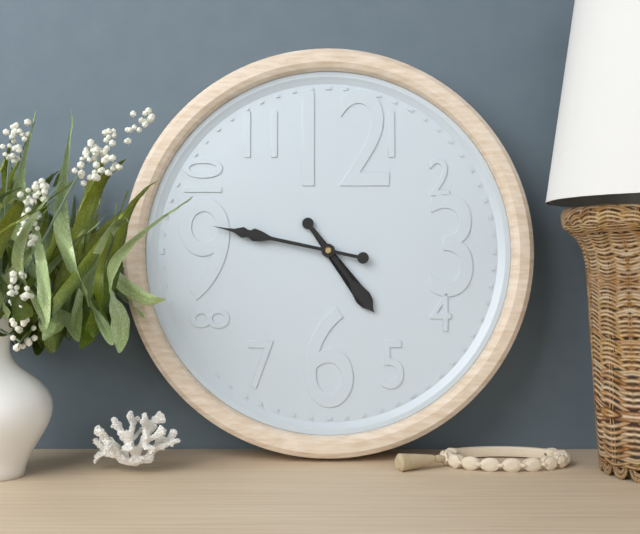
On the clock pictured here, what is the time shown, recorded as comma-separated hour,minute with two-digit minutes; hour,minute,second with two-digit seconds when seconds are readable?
4,47
